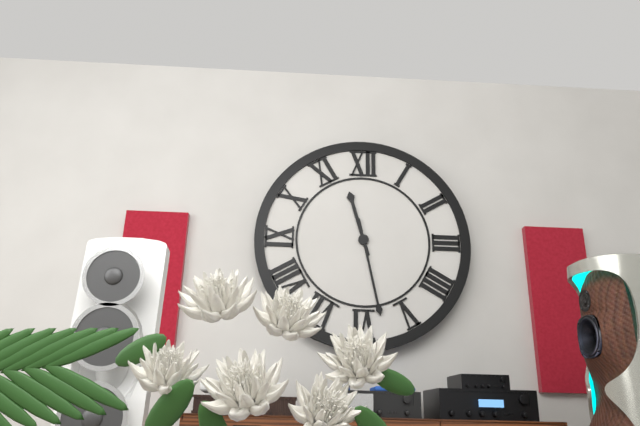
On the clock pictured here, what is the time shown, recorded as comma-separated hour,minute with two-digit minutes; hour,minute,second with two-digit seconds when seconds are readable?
11,28
